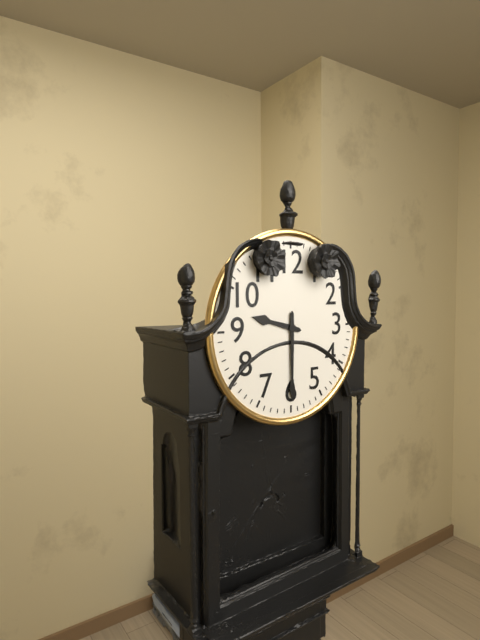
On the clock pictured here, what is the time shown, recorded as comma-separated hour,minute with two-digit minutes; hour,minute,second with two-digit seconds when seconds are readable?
9,30
